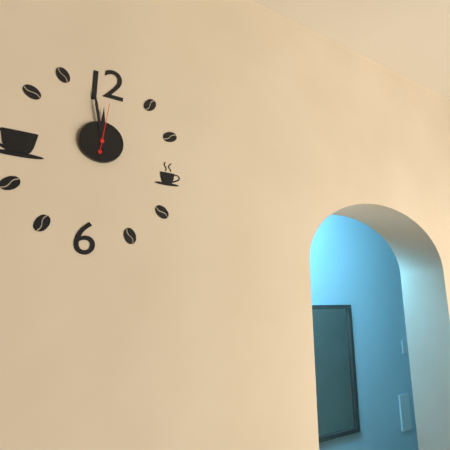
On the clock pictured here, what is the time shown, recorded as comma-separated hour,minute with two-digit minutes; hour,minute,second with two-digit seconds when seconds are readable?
11,58,01
